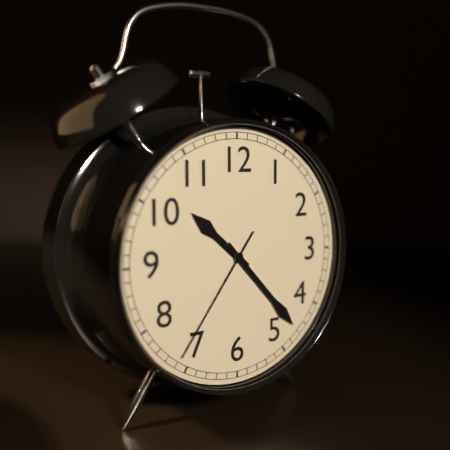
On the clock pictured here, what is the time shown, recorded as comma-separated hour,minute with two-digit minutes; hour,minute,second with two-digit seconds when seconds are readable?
10,23,36
